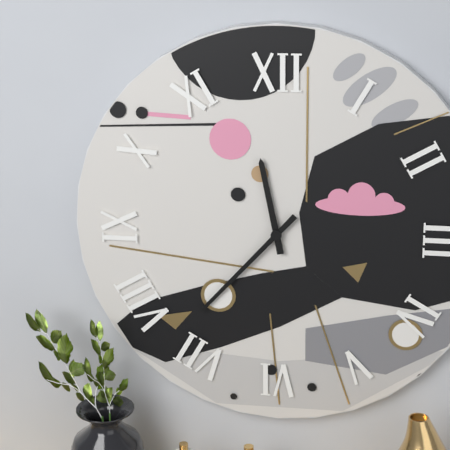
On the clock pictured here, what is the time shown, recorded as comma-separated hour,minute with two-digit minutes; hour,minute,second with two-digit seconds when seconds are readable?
11,37
